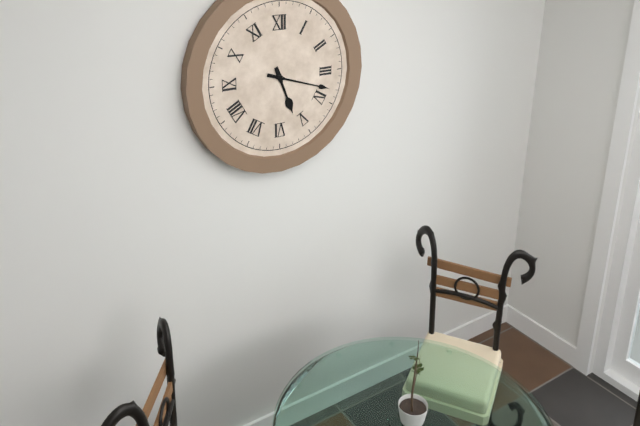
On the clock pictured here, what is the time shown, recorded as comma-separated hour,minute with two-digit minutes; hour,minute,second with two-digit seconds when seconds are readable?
5,18
